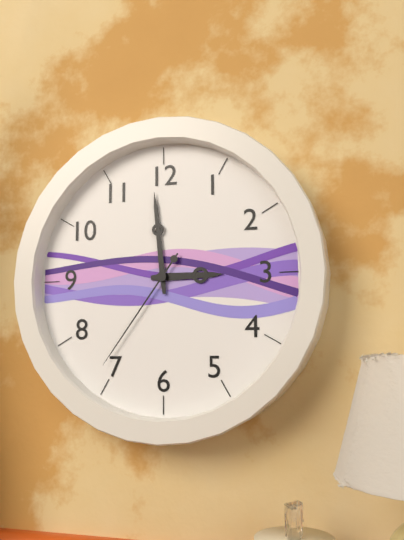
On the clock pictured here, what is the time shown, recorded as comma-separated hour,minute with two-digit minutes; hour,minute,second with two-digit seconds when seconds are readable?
2,59,36
